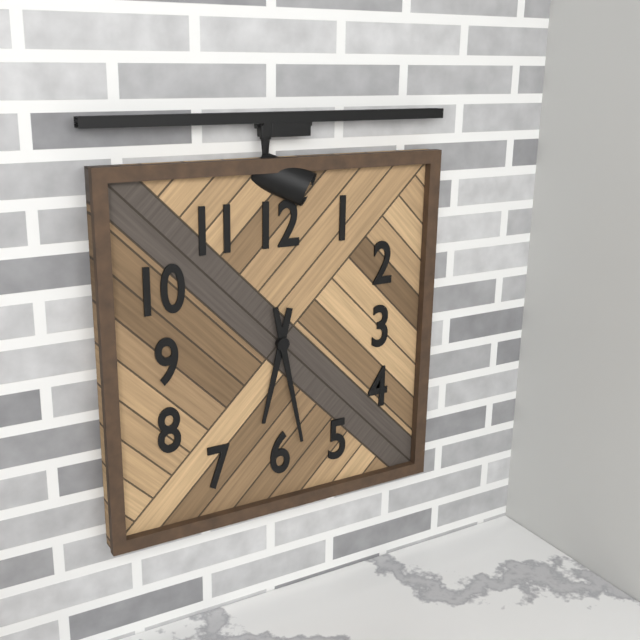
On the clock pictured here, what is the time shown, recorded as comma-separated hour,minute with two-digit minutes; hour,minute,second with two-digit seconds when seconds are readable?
6,28
